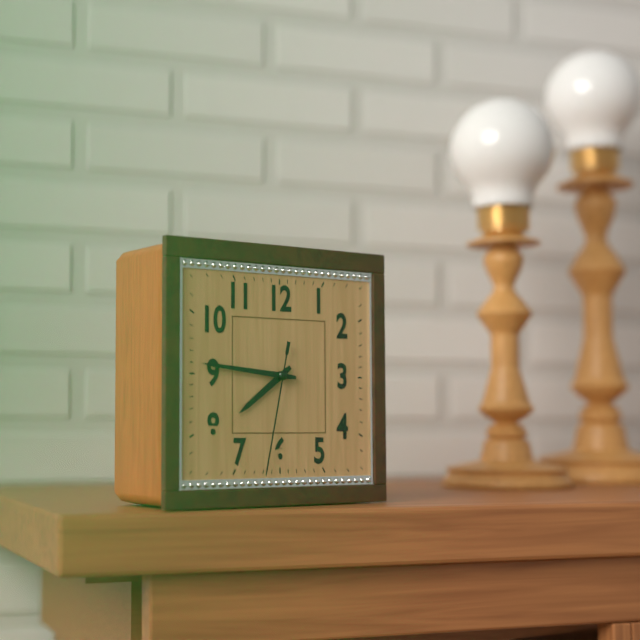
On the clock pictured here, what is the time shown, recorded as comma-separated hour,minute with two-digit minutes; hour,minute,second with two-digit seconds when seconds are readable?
7,46,32
